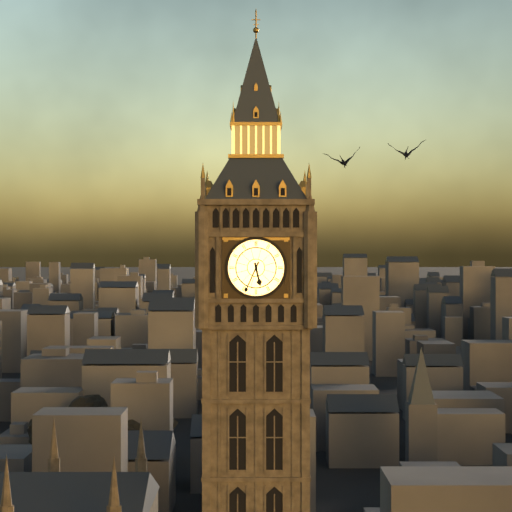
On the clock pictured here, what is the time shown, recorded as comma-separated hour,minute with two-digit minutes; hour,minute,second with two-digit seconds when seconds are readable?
5,34
